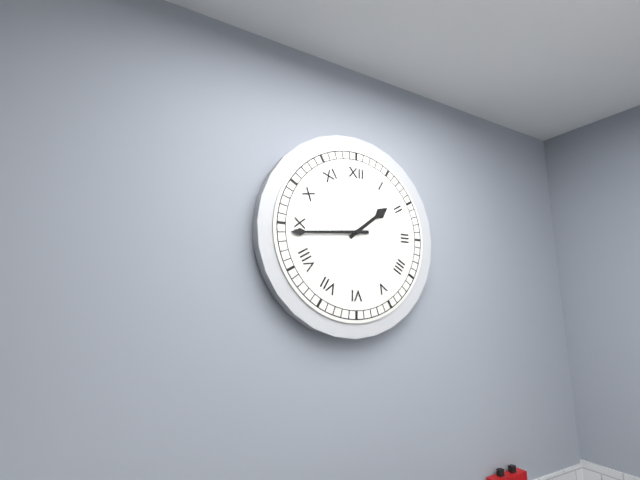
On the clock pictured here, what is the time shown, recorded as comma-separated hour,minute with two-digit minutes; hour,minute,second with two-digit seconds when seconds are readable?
1,44
